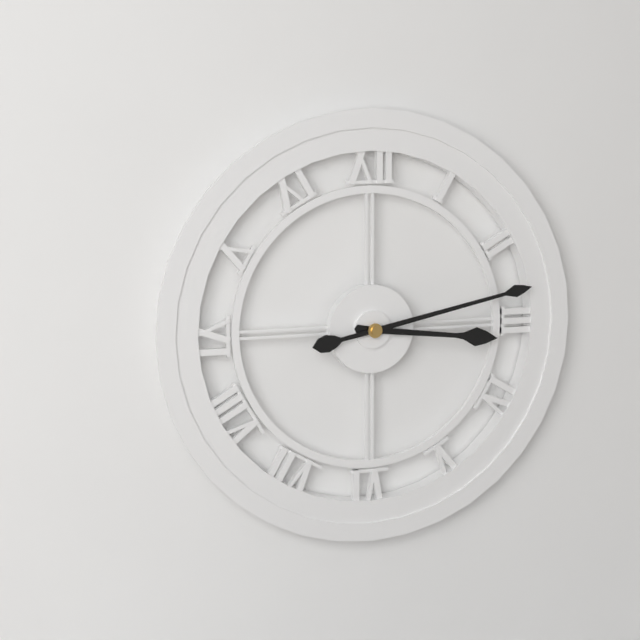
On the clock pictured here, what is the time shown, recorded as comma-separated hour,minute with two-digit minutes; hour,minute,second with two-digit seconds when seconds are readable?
3,13
